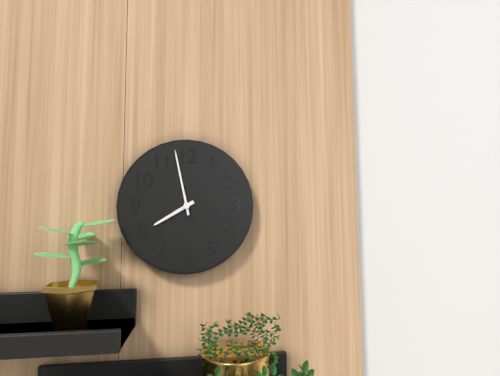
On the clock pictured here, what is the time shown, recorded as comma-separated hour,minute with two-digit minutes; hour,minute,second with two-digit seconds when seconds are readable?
7,58
